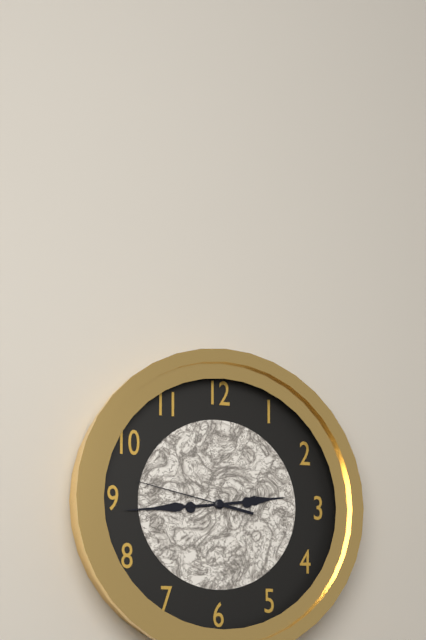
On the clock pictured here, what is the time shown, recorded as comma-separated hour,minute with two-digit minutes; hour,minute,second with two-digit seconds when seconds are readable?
2,44,47
